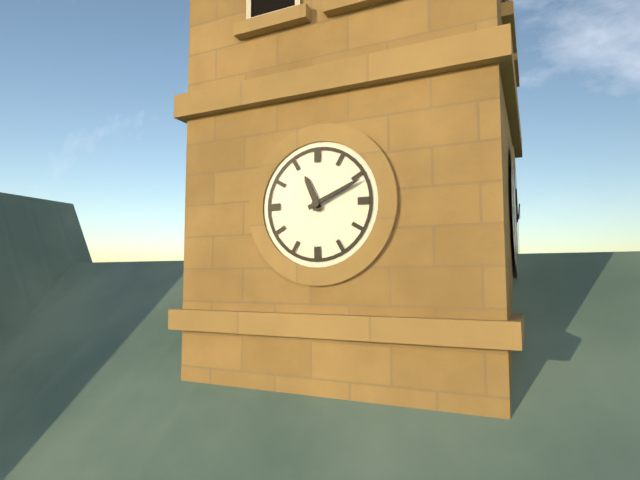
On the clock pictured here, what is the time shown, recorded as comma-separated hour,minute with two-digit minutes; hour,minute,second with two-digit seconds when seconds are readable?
11,11
